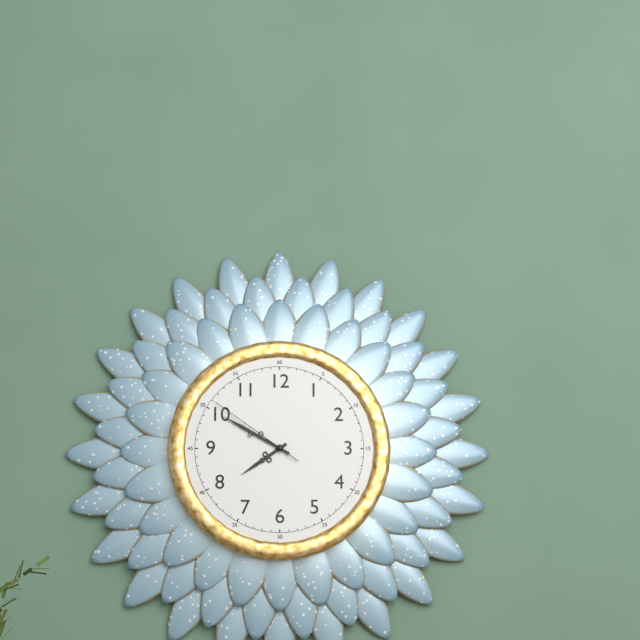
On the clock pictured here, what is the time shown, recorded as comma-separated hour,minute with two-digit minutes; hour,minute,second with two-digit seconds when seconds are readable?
7,50,51
